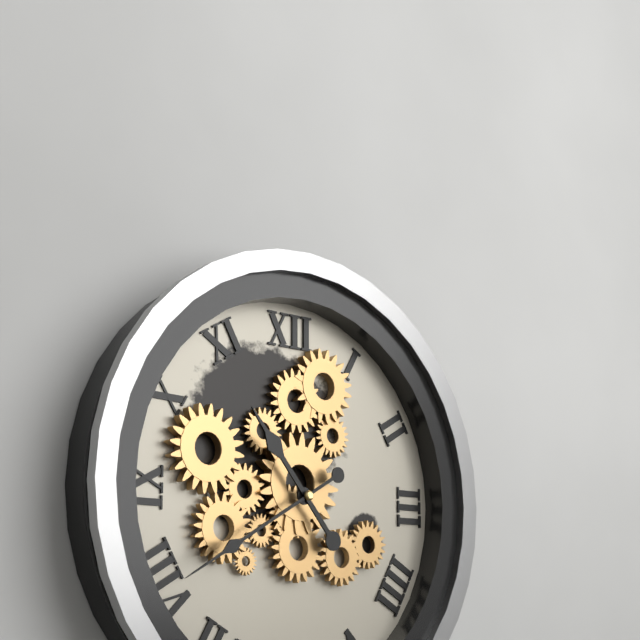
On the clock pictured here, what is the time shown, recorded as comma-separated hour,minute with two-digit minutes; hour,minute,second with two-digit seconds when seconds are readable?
10,40
